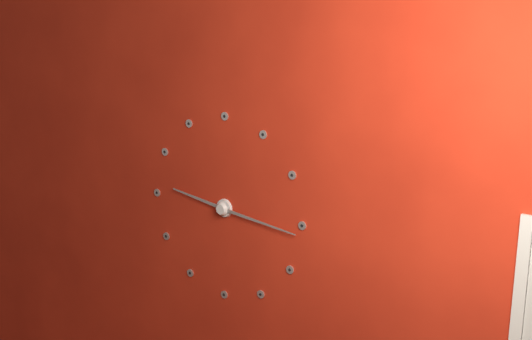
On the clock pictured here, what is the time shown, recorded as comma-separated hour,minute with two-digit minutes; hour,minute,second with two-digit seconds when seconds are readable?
9,16
